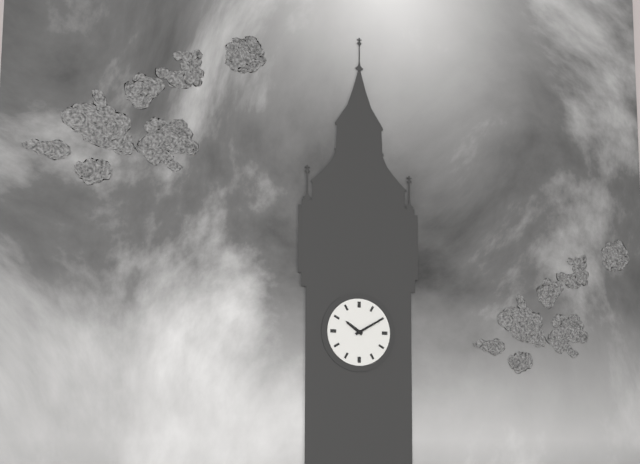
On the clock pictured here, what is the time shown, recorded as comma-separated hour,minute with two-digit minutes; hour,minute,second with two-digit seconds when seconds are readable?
10,10
